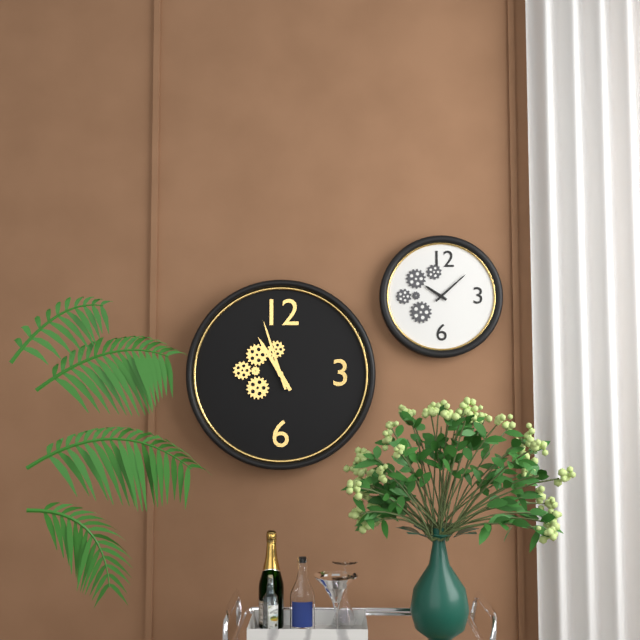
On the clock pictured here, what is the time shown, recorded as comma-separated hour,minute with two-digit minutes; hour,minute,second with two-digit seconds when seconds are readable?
10,57
